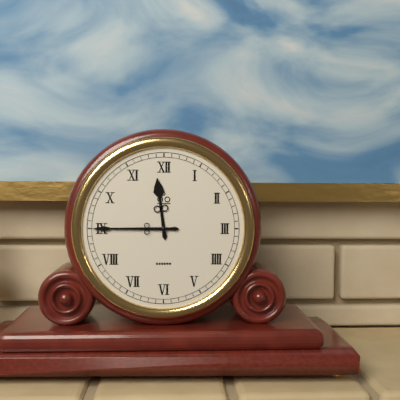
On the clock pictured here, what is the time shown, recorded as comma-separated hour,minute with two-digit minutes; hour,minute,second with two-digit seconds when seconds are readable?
11,45
